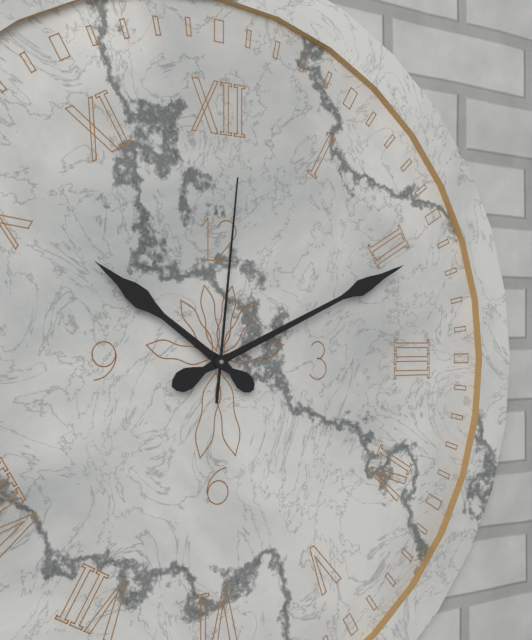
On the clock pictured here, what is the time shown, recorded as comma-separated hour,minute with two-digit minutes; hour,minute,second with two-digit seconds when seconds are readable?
10,11,01
